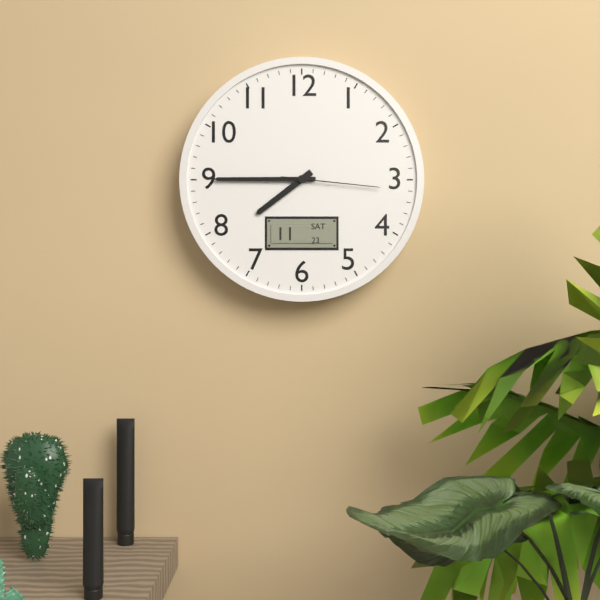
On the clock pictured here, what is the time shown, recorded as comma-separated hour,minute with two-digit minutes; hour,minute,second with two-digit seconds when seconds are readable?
7,45,16
